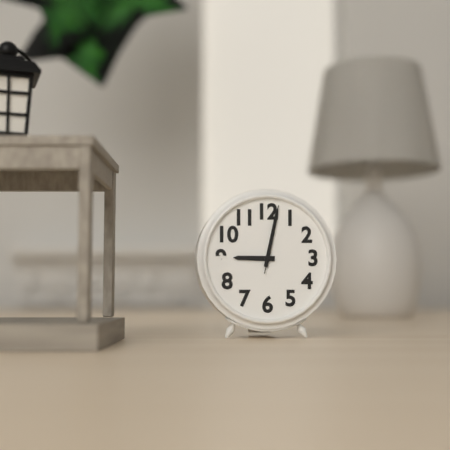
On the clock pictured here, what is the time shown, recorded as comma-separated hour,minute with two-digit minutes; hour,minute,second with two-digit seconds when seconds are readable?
9,02,02
